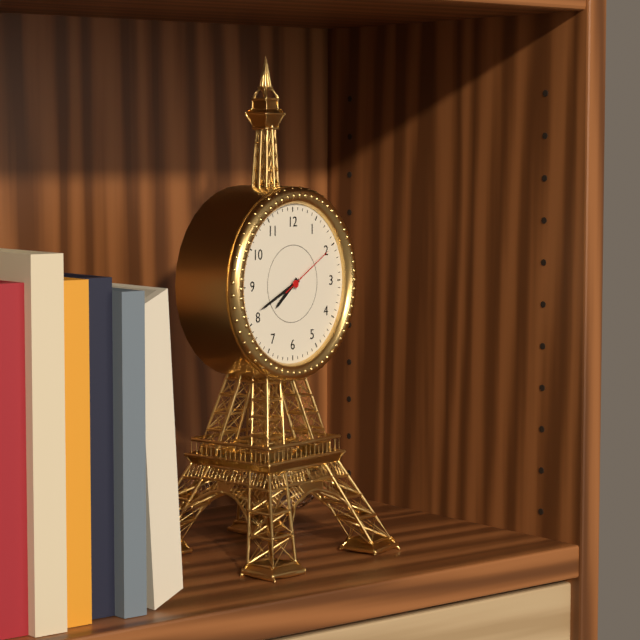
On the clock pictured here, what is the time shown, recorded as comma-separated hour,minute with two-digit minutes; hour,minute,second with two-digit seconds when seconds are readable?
7,41,10
